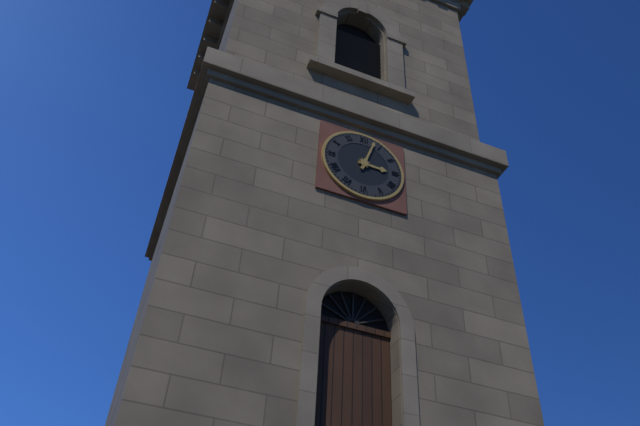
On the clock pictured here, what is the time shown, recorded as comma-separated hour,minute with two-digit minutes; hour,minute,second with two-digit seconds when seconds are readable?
3,03
